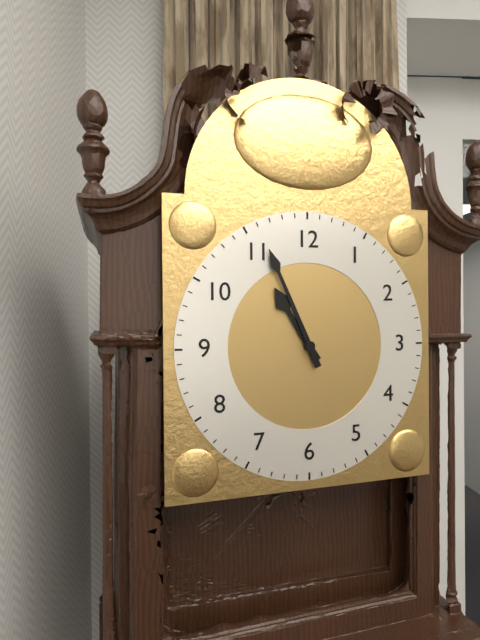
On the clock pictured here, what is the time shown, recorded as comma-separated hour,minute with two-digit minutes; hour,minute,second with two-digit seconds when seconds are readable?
10,56
